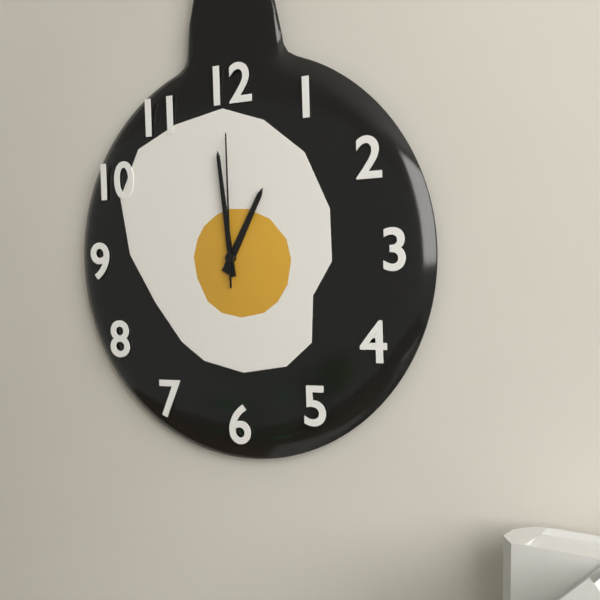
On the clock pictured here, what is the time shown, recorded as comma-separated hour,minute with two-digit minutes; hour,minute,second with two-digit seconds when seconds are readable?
12,59,00
